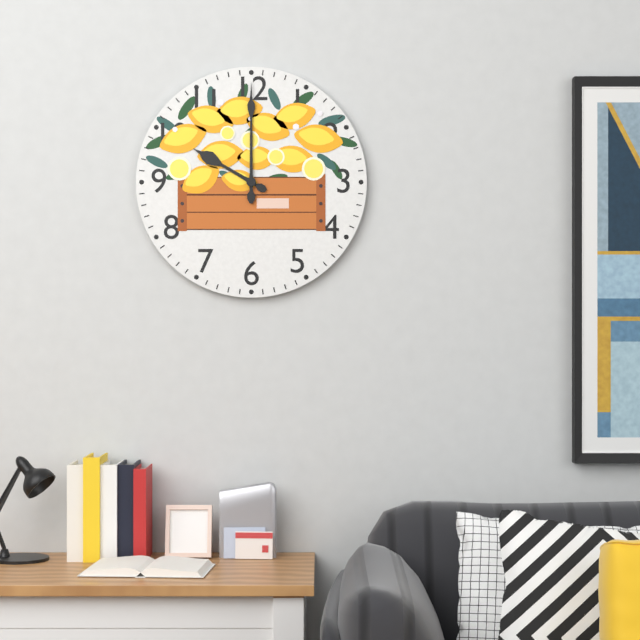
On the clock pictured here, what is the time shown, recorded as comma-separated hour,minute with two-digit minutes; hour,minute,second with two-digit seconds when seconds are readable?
10,00
